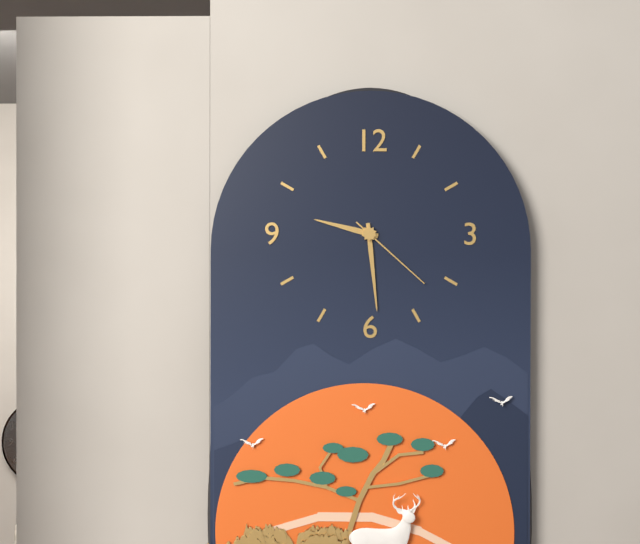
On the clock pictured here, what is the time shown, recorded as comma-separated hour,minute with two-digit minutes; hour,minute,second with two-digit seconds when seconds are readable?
9,29,22
